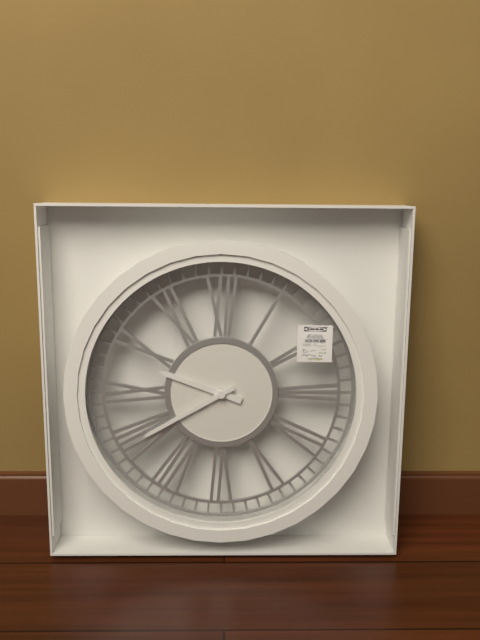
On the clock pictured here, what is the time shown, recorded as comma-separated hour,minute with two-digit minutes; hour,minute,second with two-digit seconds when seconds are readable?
9,40
